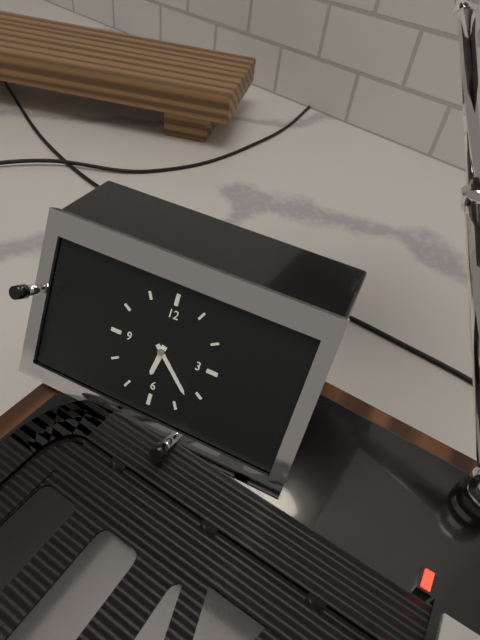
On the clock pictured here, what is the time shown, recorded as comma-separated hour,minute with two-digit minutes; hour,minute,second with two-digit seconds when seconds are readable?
6,22
